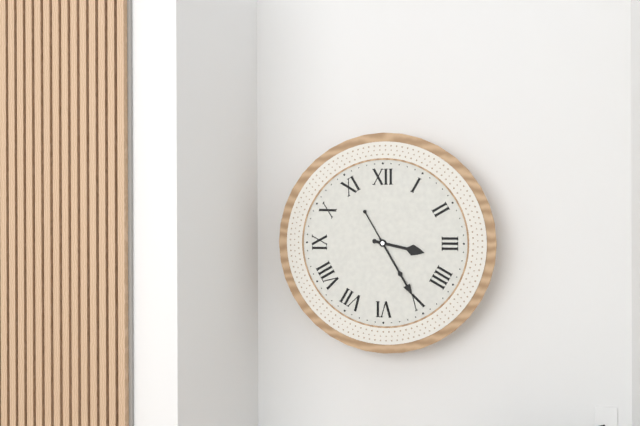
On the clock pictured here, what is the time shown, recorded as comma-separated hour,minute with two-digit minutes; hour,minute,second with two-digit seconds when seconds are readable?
3,25
